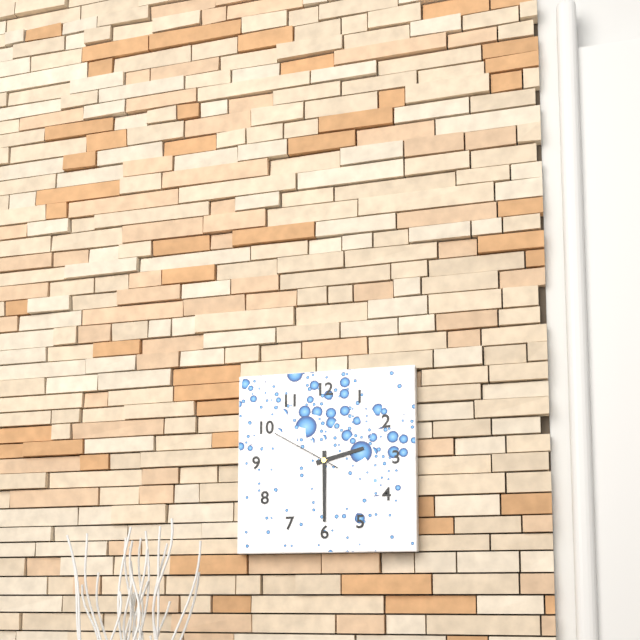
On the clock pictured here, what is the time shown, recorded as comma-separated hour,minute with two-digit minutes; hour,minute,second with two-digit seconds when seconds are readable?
2,30,50
